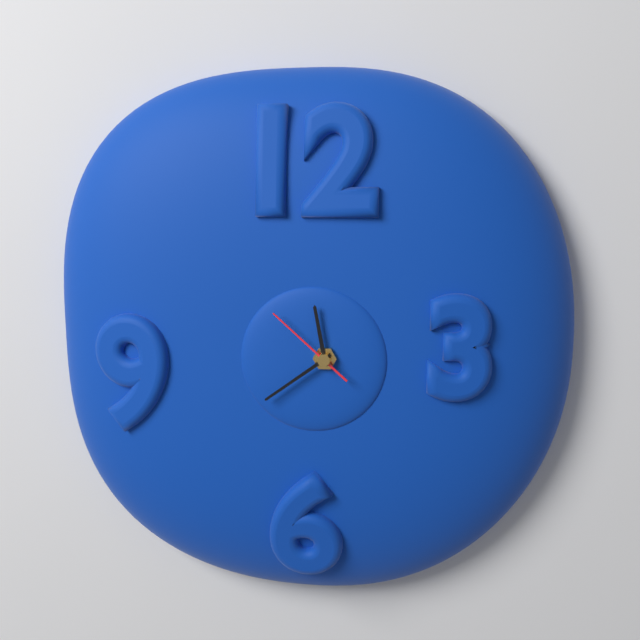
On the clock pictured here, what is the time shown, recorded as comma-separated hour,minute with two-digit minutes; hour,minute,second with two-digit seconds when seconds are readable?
11,39,52
